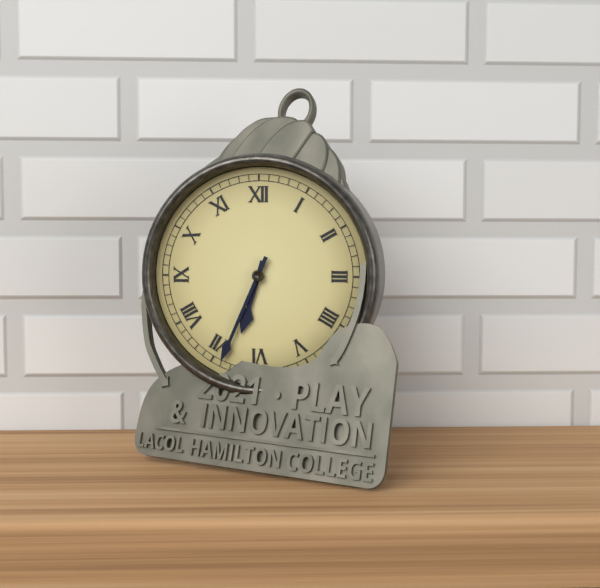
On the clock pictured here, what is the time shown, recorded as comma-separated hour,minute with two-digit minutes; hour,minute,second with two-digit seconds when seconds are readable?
6,34
